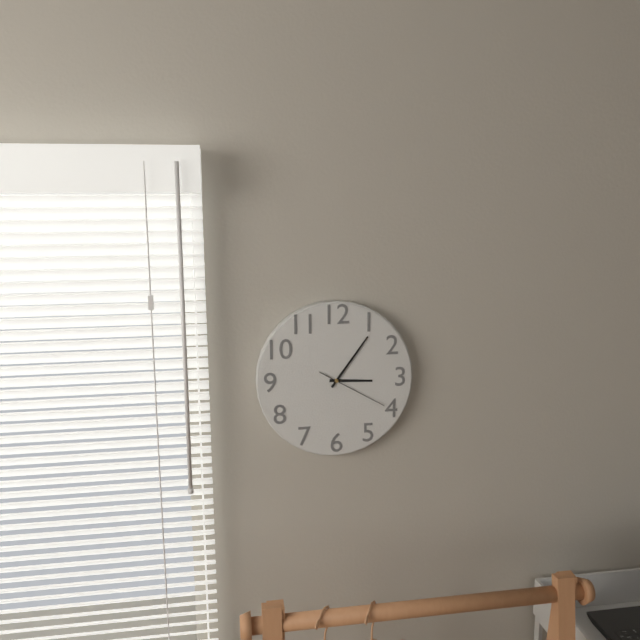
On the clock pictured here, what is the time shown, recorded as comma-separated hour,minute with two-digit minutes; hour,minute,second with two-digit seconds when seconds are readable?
3,06,20
